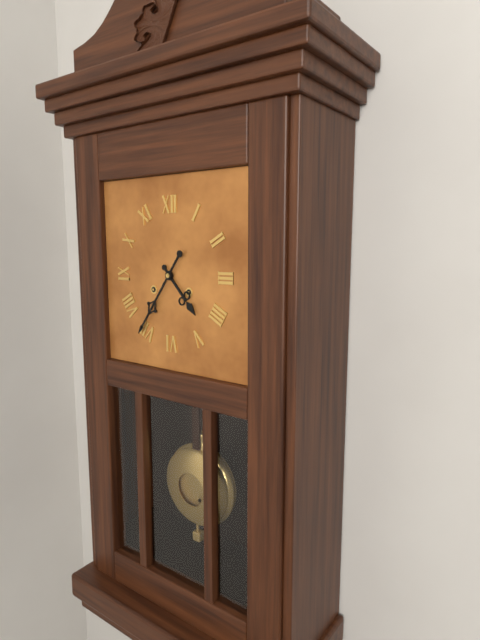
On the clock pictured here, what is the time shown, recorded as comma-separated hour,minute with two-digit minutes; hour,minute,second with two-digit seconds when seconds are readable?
4,36
